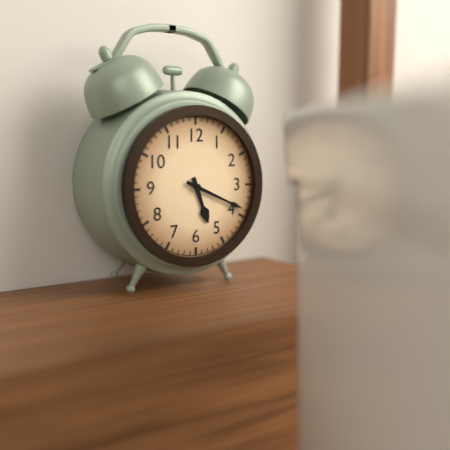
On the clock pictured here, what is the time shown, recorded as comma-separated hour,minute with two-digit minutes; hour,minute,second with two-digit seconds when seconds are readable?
5,19
